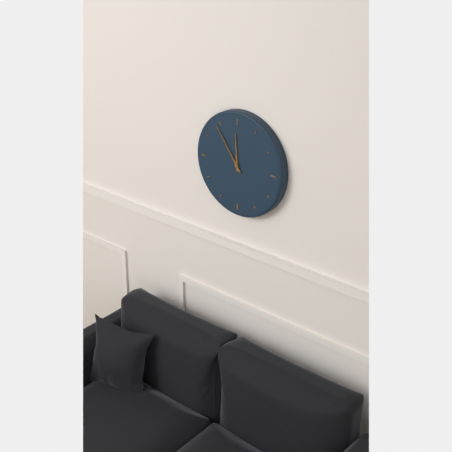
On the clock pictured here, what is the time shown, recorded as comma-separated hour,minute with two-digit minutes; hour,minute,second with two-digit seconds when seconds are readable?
11,54
